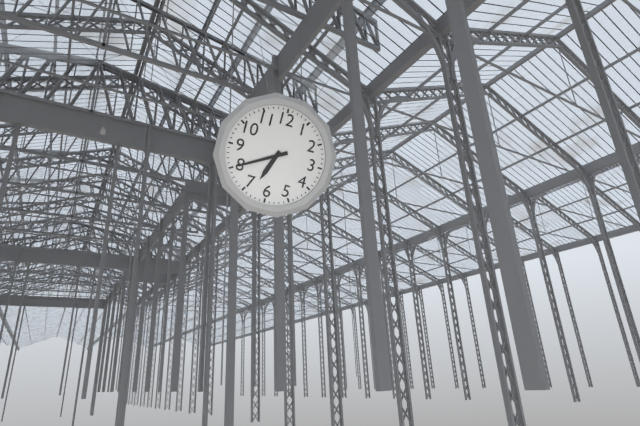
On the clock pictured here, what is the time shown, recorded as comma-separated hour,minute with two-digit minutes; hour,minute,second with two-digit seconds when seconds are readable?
6,40
